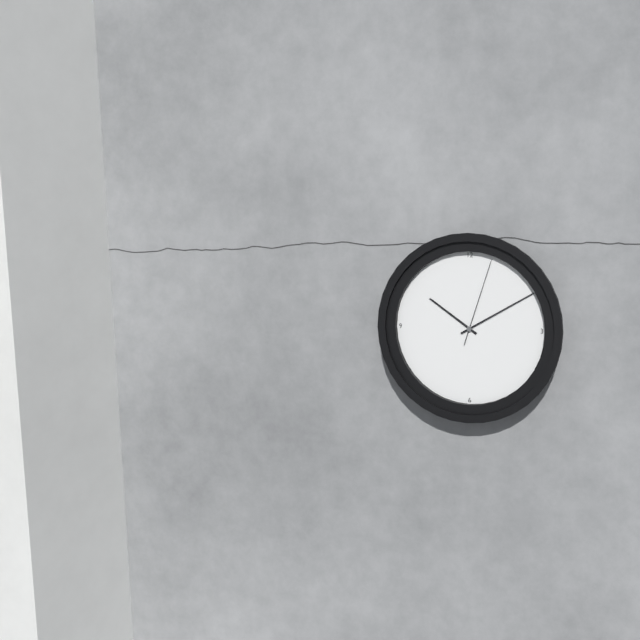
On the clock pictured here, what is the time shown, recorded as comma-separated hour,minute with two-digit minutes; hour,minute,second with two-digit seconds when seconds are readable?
10,10,03
